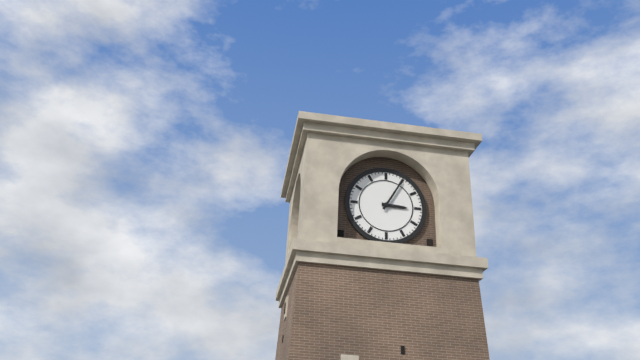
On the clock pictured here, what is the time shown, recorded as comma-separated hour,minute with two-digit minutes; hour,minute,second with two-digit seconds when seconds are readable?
3,05
